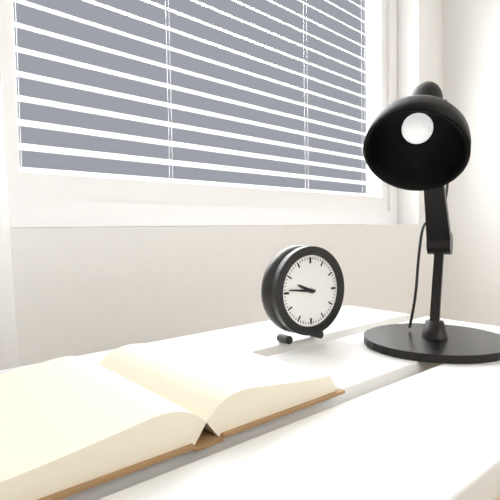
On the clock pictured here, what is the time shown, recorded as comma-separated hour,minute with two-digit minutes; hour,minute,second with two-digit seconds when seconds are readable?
9,46
